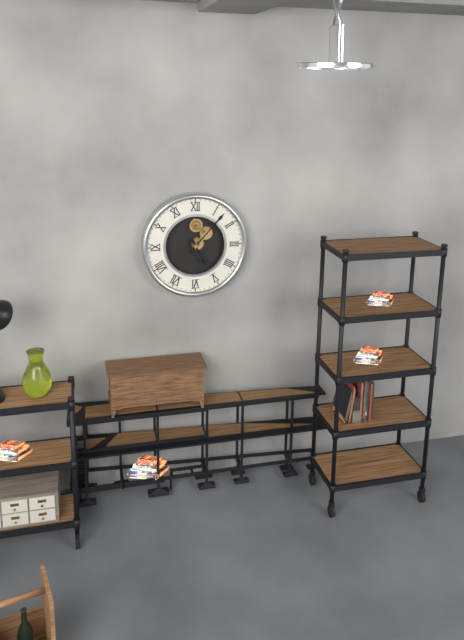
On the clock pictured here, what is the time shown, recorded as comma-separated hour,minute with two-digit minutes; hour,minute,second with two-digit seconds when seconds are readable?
5,07
